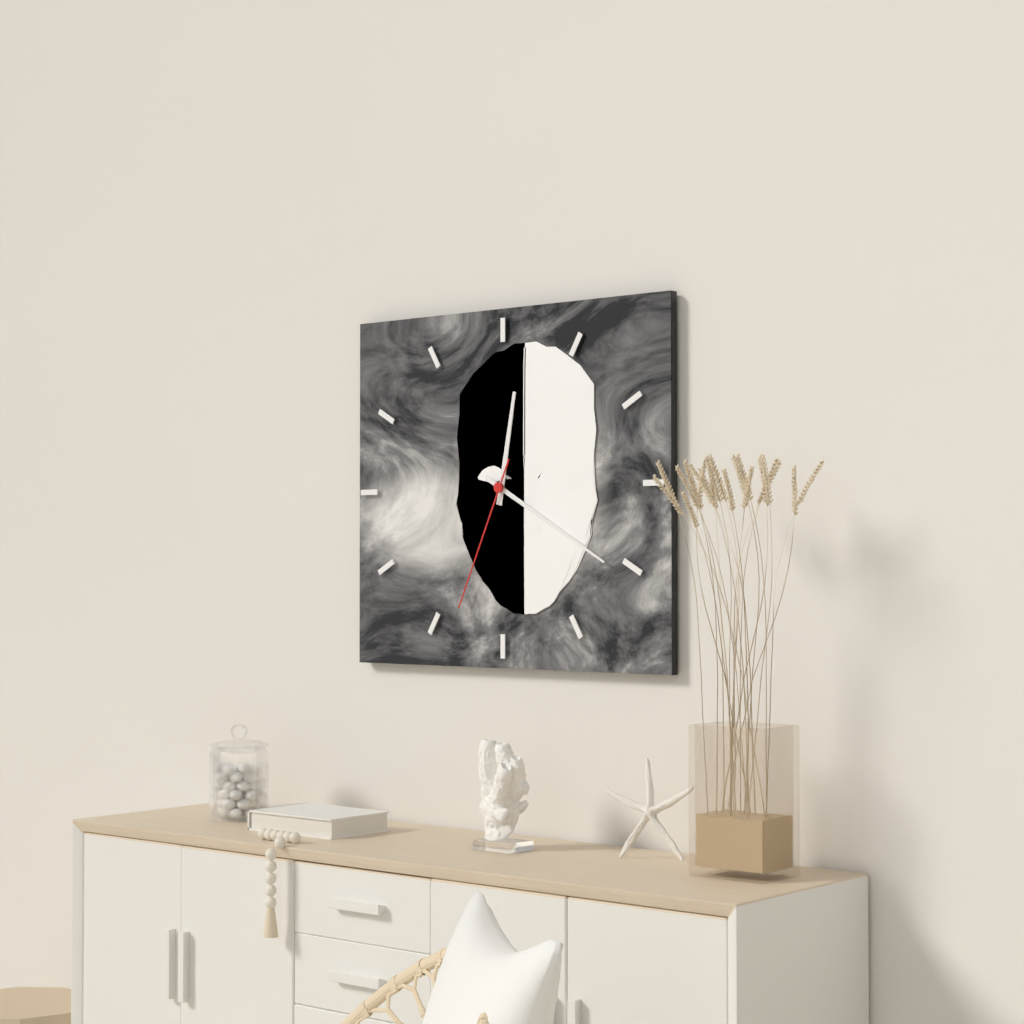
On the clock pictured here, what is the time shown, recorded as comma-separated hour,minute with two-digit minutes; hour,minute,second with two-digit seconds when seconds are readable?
12,20,34
